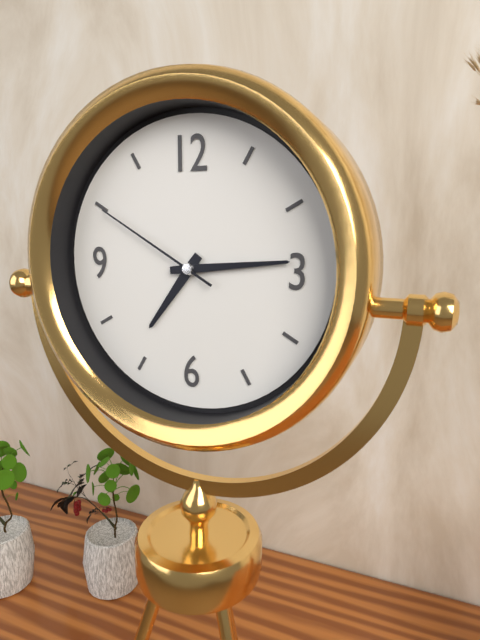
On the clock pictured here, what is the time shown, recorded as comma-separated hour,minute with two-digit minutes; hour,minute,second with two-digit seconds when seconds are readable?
7,14,50
